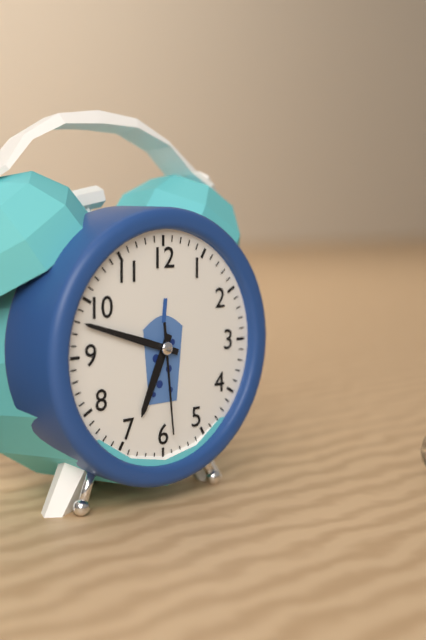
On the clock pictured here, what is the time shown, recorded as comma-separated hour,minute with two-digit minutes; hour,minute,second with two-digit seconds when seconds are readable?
6,48,29
